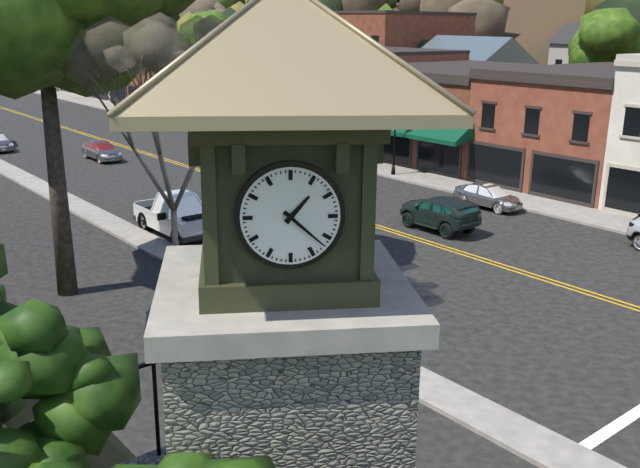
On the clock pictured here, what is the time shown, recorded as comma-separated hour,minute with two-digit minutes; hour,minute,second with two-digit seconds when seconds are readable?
1,22
